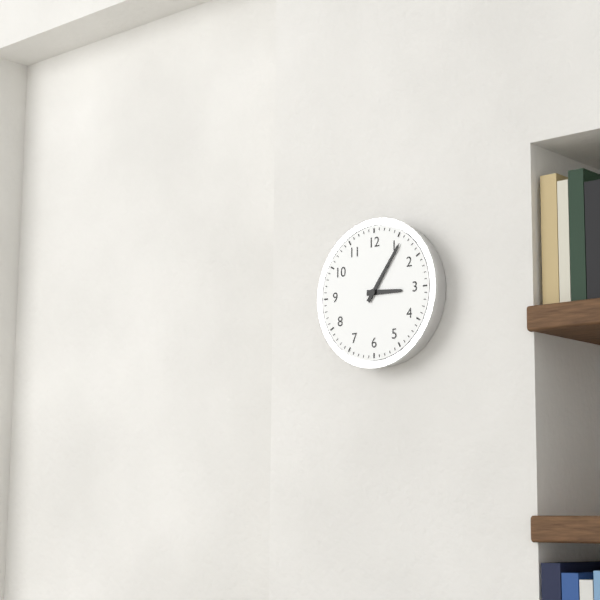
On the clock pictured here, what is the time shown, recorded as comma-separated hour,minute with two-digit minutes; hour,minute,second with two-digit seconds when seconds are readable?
3,06
